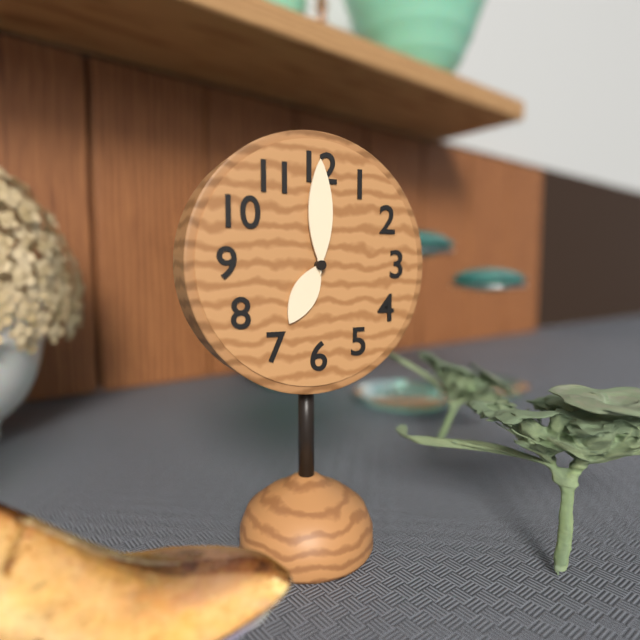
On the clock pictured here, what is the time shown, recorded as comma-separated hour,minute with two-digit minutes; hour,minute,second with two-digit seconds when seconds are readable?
7,00
